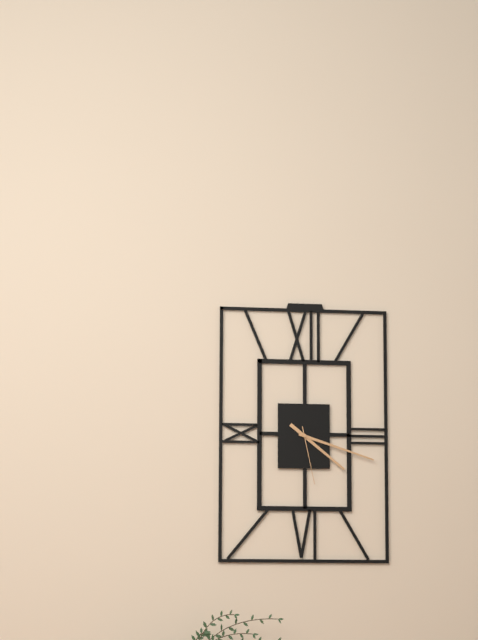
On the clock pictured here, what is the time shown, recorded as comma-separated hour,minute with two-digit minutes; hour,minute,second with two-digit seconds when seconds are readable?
4,18,28
